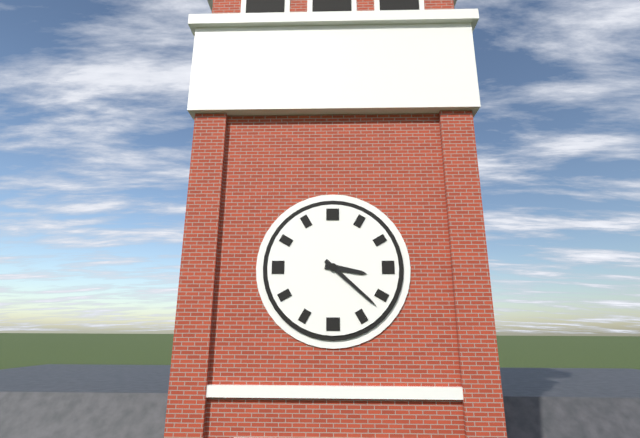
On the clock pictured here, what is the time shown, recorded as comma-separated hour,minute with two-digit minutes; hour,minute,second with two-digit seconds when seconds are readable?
3,22
